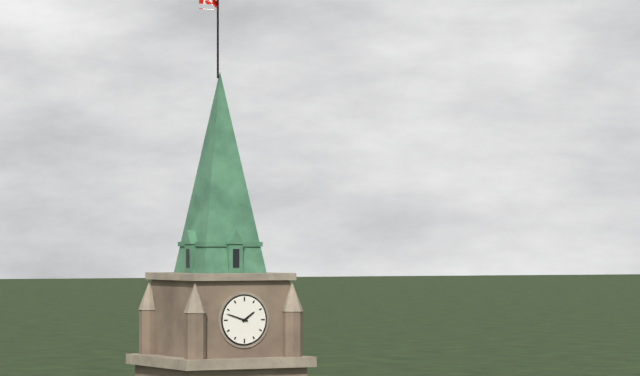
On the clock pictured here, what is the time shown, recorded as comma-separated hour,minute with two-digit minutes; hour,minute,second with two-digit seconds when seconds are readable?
1,48
